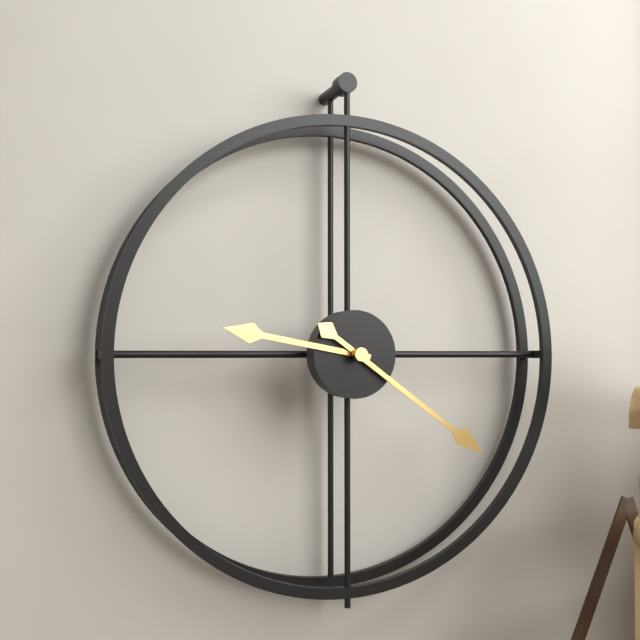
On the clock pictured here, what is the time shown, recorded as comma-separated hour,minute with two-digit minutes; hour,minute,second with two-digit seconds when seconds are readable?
9,21
